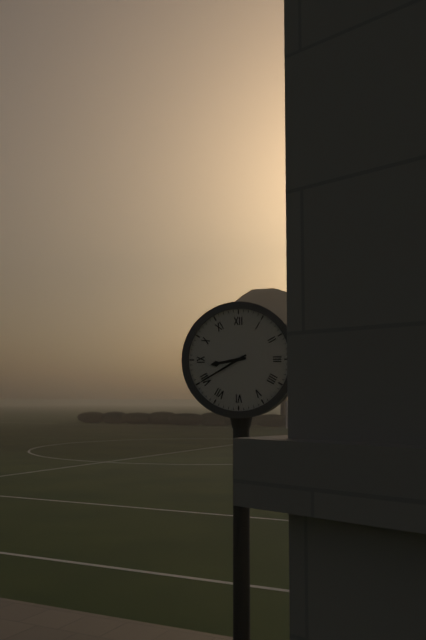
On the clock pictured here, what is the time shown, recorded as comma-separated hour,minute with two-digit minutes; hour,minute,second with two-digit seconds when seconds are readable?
8,40
